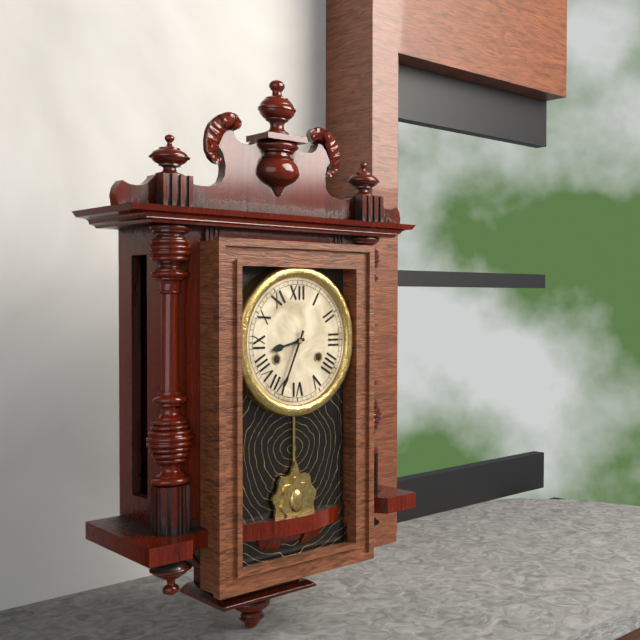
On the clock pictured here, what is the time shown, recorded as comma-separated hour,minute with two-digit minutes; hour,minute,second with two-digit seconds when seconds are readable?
8,34
